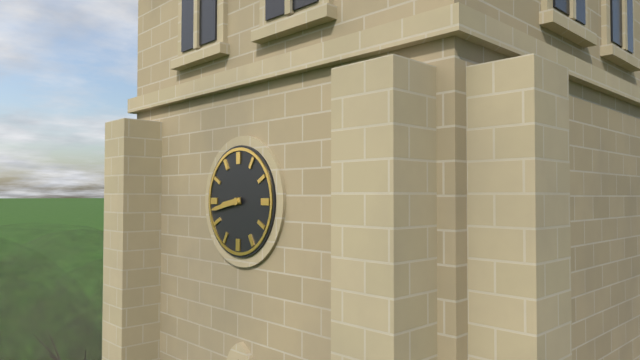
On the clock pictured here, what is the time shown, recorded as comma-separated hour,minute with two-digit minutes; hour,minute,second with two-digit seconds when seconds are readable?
8,43
